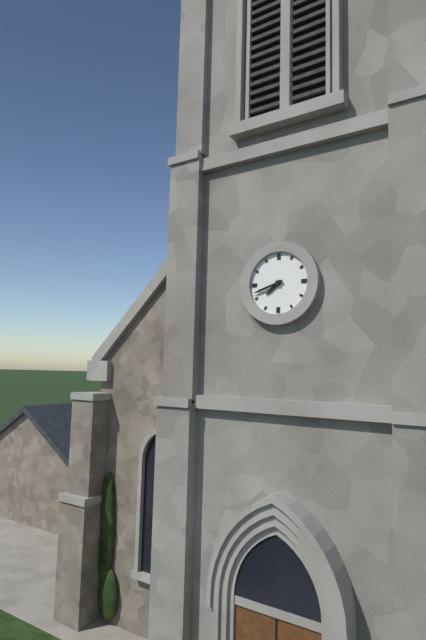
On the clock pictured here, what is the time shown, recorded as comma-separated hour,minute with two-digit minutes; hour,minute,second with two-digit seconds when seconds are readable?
7,42
